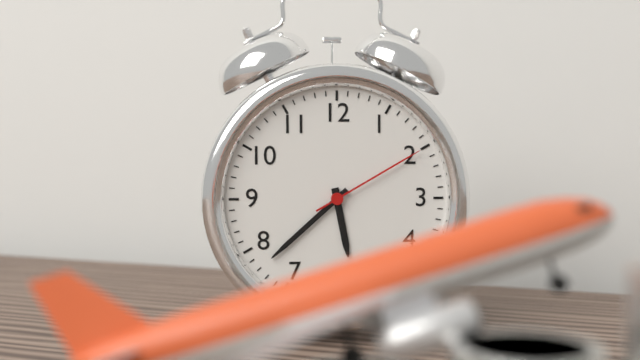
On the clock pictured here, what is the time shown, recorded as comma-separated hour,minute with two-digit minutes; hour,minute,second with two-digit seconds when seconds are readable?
5,38,10
